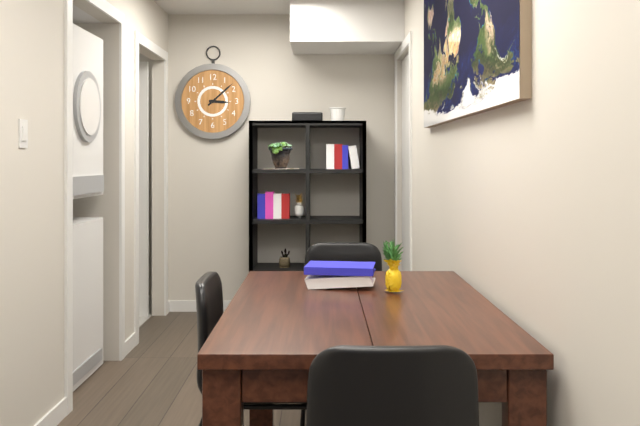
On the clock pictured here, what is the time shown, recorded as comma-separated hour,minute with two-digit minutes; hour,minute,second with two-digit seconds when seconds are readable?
3,08
